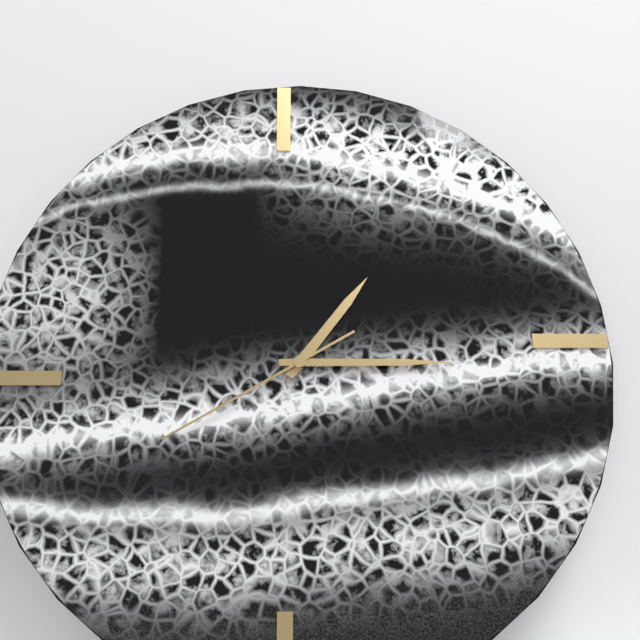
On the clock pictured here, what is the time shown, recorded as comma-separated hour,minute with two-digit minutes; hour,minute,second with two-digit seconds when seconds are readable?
1,15,40
